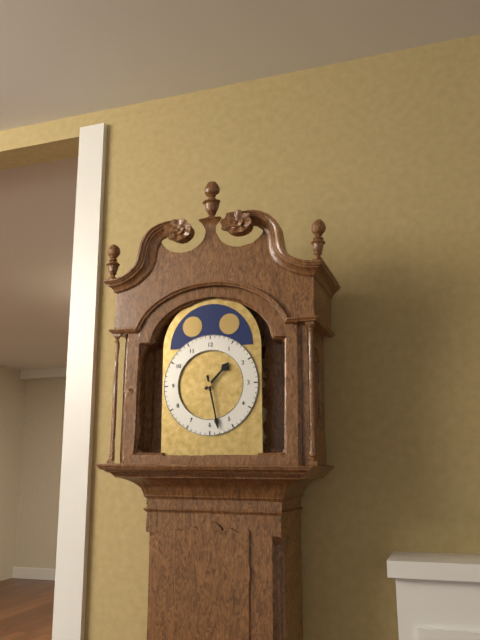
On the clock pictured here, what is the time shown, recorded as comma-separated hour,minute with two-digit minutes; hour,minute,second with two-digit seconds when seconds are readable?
1,28
